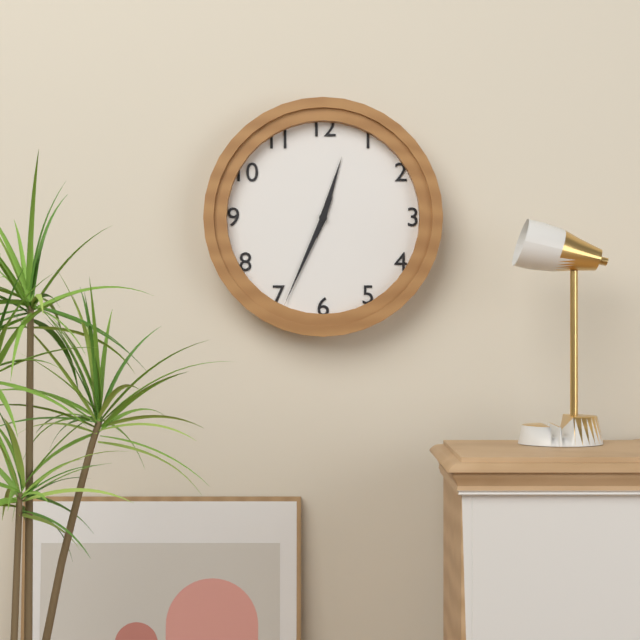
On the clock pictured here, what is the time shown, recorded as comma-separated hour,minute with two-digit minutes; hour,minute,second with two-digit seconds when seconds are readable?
12,34
